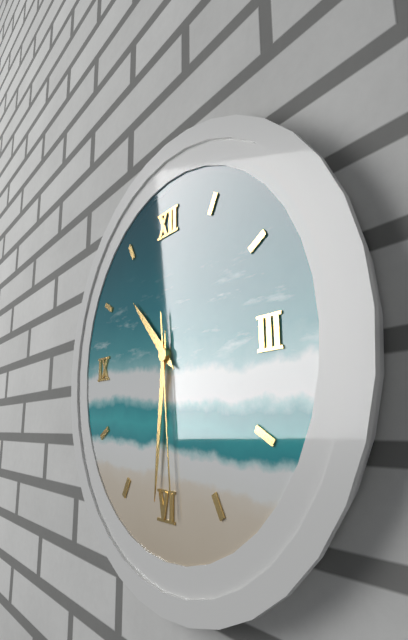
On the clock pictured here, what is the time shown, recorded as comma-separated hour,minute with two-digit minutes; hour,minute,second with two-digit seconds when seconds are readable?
10,31,29
